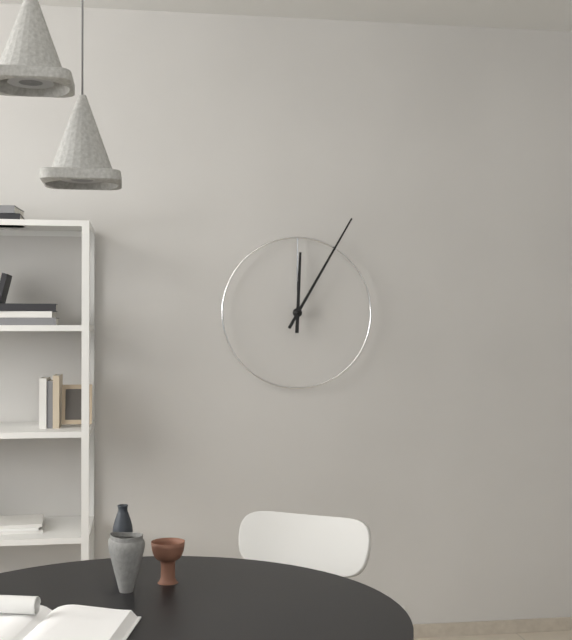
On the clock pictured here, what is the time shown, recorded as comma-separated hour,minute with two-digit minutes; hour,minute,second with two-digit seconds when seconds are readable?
12,05
